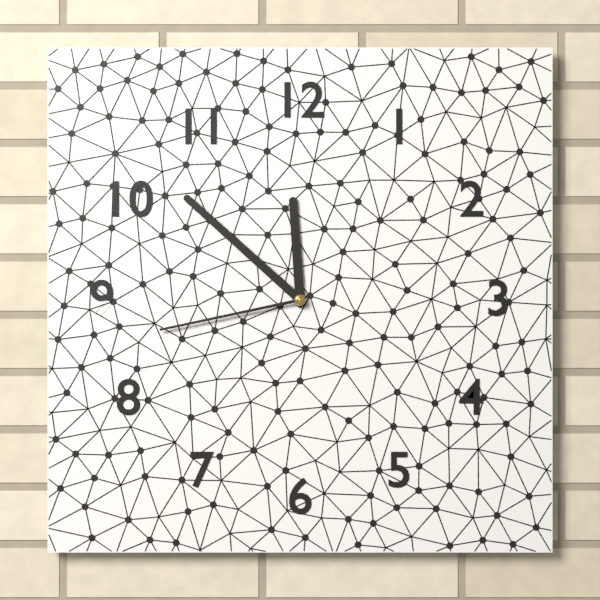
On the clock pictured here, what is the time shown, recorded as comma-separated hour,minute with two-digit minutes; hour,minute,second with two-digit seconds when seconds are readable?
11,52,43
